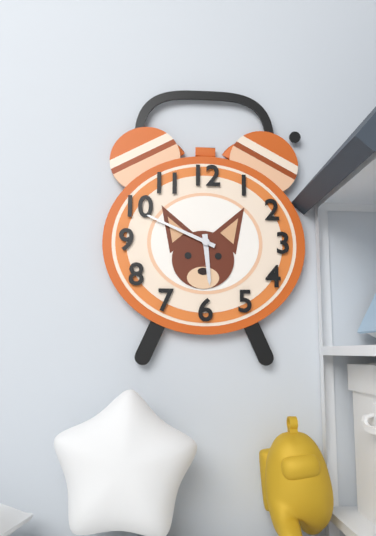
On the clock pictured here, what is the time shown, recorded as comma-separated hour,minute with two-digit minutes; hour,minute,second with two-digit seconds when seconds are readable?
5,49
